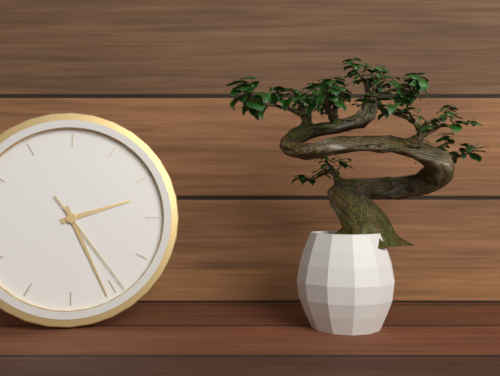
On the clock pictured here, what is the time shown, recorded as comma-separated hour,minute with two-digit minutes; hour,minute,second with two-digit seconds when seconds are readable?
2,26,24
